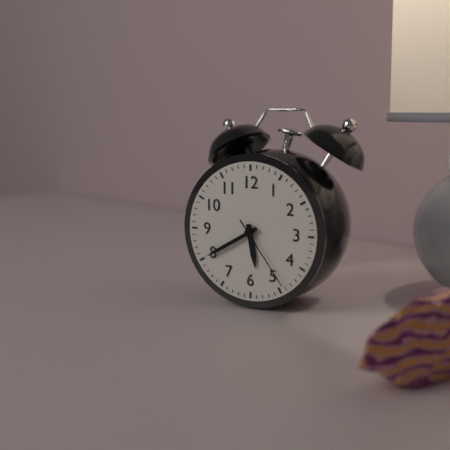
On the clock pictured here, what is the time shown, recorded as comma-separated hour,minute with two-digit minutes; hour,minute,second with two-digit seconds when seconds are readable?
5,40,24
